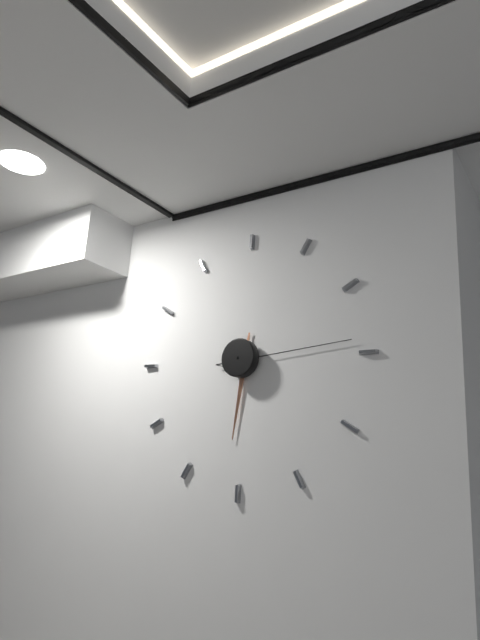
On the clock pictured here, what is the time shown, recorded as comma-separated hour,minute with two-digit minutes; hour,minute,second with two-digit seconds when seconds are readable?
6,14
